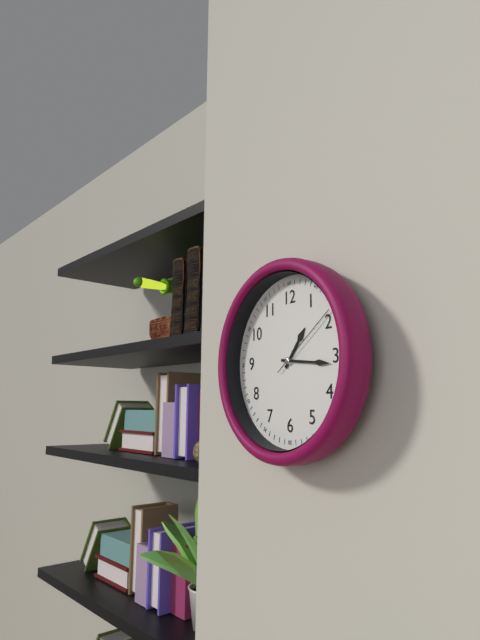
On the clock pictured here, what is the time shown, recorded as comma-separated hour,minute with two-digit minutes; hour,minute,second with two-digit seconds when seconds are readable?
1,16,09
